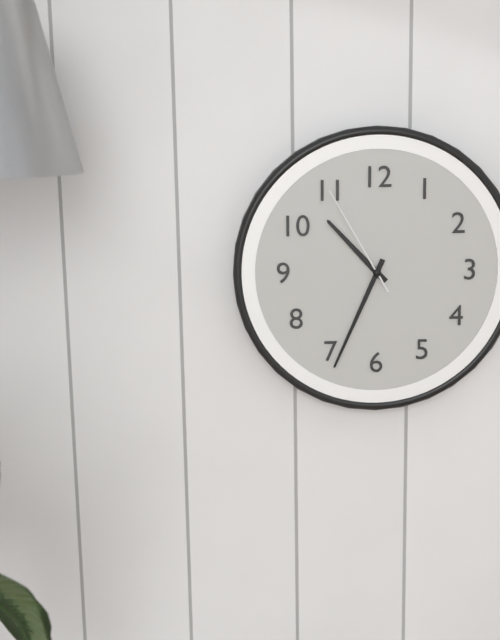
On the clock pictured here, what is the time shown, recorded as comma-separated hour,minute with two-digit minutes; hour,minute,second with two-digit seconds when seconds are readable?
10,34,55
